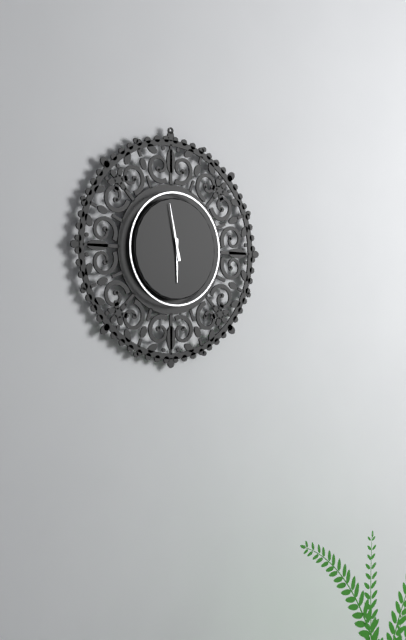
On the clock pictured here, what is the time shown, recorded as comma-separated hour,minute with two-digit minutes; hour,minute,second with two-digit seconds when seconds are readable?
5,58
